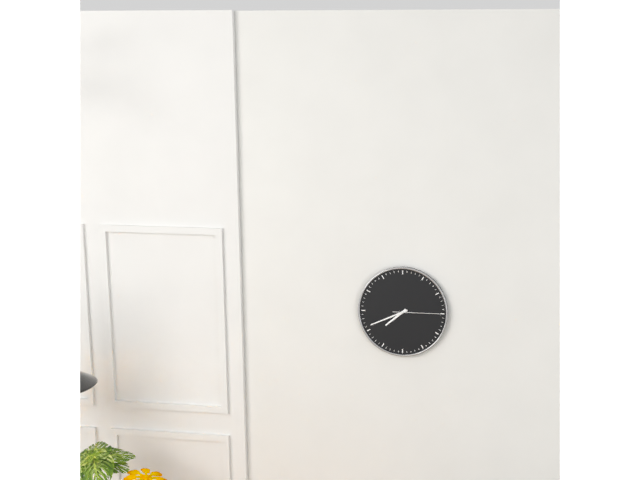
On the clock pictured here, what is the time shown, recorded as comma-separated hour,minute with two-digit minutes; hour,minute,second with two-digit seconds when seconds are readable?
7,41
